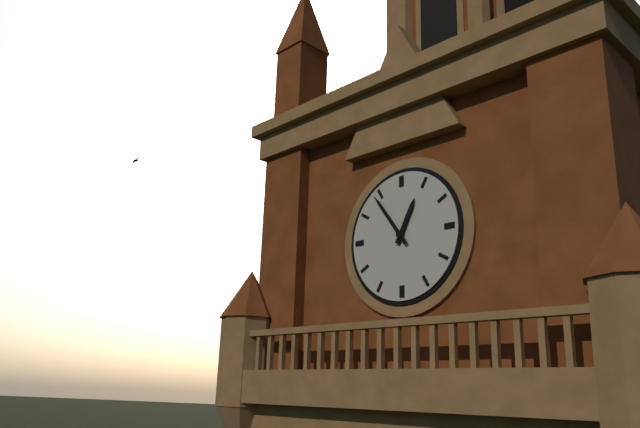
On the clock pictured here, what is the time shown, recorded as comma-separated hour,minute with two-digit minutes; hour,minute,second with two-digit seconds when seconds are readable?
12,54
